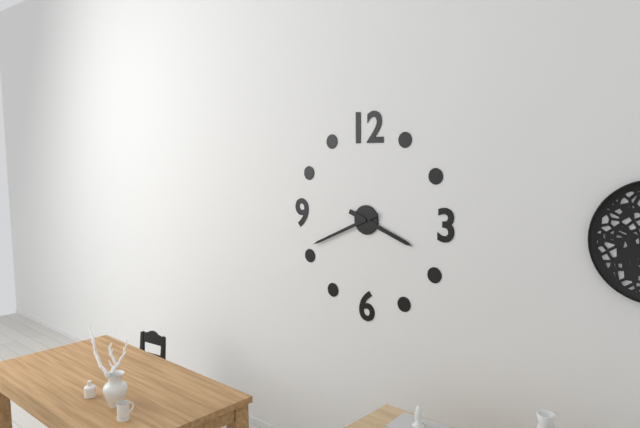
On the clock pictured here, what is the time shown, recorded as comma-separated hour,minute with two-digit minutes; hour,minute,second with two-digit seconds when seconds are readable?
3,41
